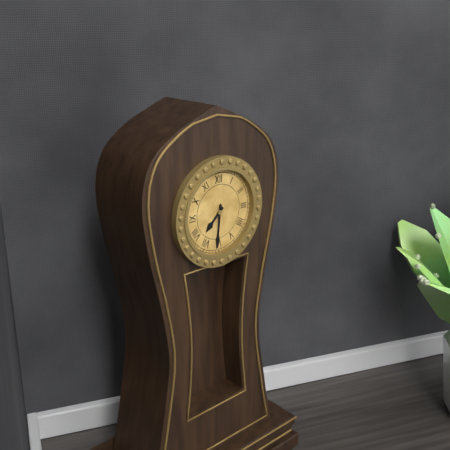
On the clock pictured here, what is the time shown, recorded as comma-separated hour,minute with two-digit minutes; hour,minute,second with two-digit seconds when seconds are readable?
7,31
